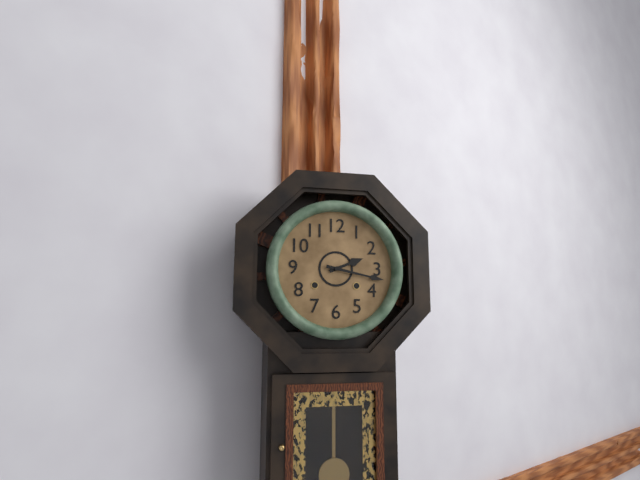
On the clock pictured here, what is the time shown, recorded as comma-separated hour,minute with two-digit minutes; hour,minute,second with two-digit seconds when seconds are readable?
2,17
